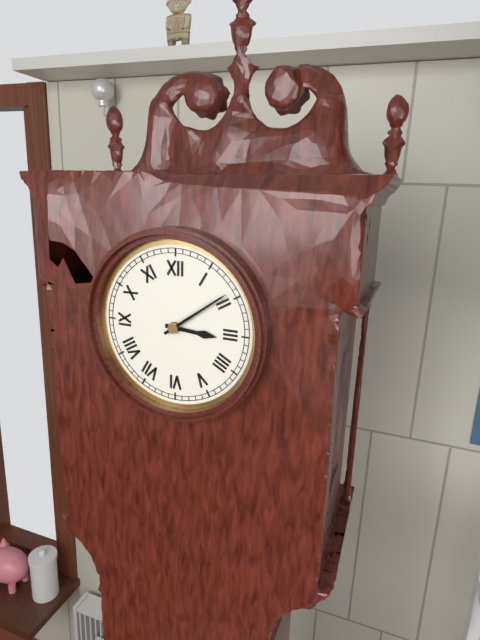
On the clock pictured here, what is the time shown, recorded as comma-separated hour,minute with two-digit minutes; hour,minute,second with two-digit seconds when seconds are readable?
3,09
